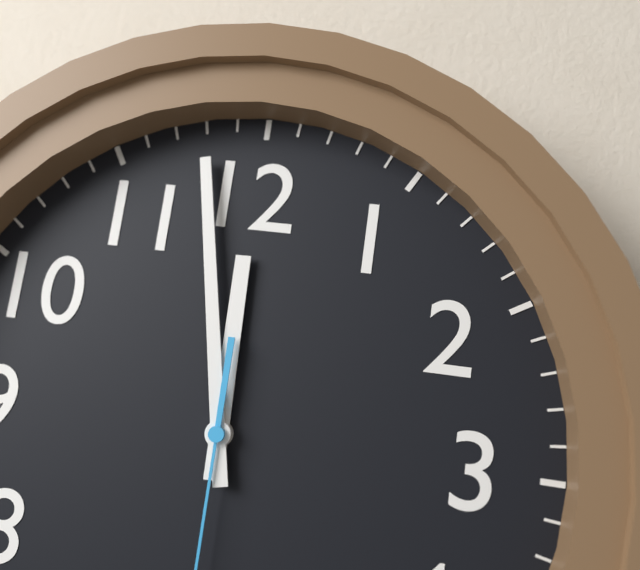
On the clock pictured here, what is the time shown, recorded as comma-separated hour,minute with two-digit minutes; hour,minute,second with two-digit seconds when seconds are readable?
11,58
